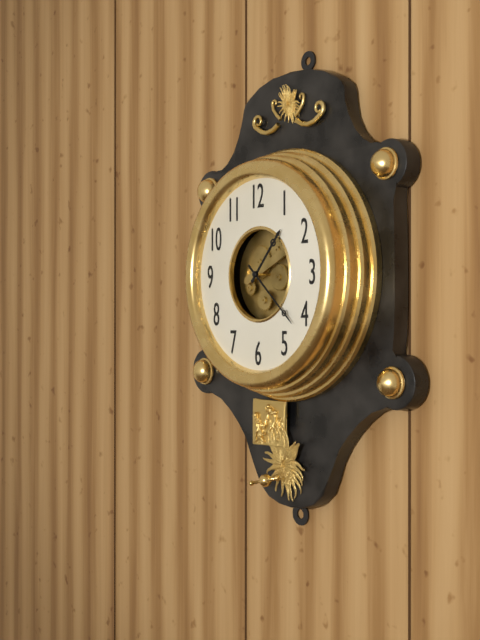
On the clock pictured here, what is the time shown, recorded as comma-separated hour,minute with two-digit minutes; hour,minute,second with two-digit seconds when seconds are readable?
1,22
